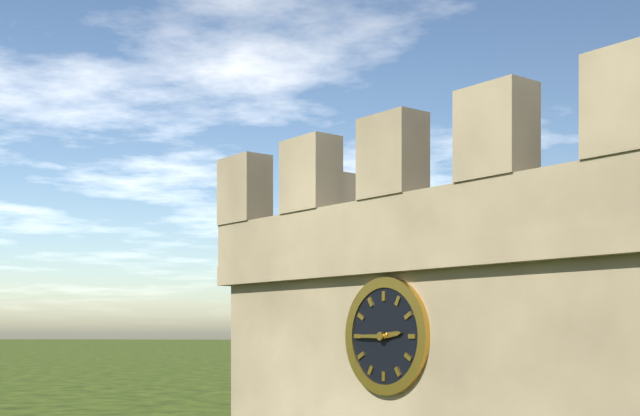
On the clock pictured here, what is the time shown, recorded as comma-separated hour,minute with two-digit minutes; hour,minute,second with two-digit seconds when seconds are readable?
2,45
